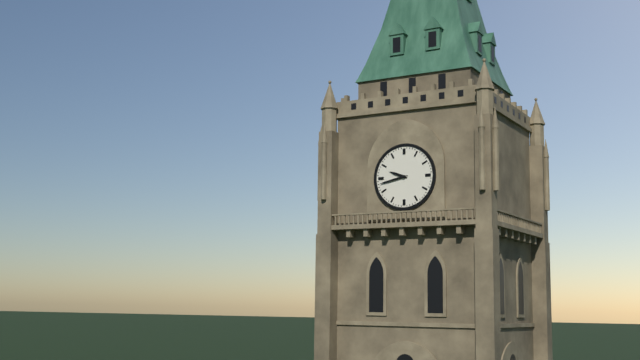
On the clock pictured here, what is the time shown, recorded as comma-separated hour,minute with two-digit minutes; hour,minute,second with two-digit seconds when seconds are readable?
9,43
